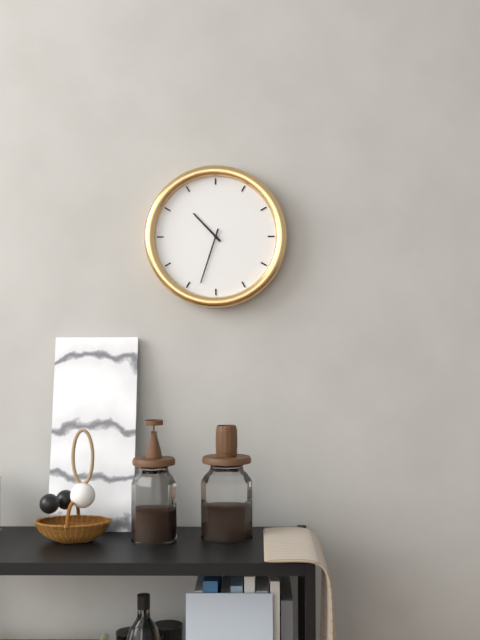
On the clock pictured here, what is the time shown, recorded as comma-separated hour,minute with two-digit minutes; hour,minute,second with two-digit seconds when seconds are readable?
10,33
